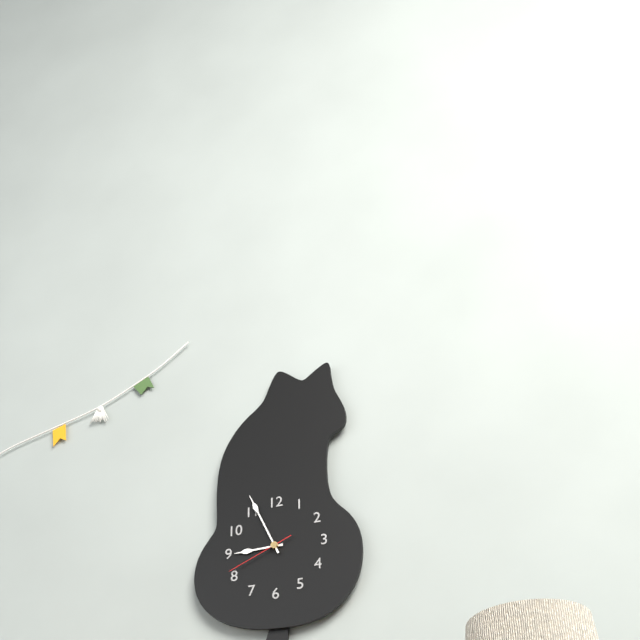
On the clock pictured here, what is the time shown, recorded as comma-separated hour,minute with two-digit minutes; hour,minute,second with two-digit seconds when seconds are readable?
8,56,41
